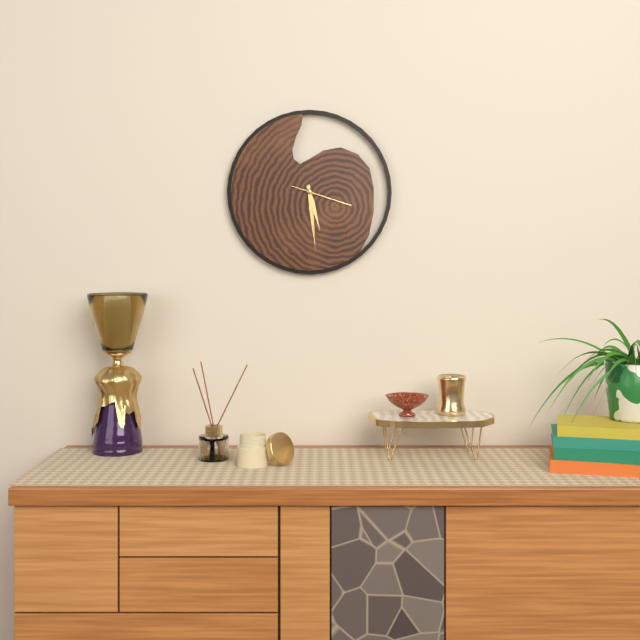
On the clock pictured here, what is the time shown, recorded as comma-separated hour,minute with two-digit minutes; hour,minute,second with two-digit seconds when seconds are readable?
5,29,18
